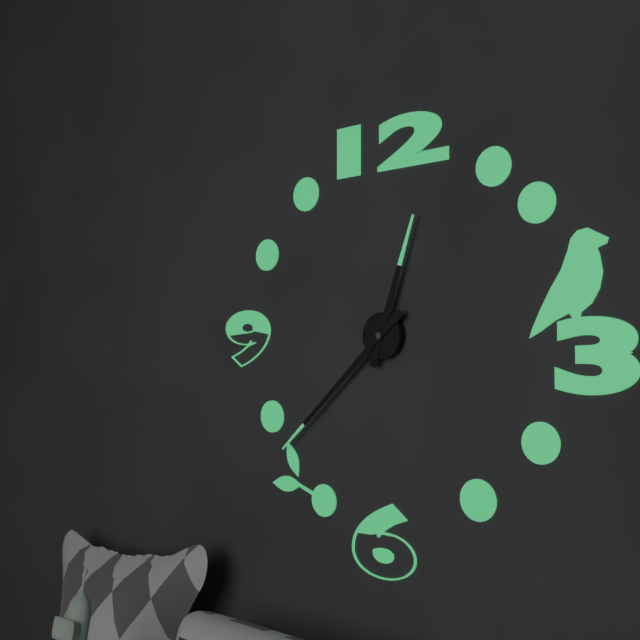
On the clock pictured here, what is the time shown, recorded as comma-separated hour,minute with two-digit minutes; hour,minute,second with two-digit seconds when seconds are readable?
12,38
